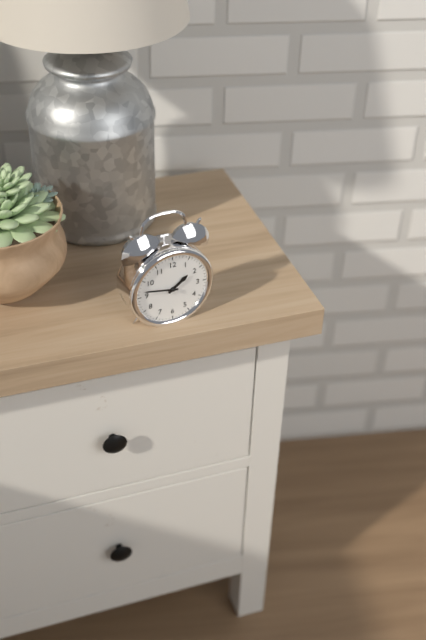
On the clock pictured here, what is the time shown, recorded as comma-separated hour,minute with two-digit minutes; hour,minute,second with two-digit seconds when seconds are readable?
1,47
